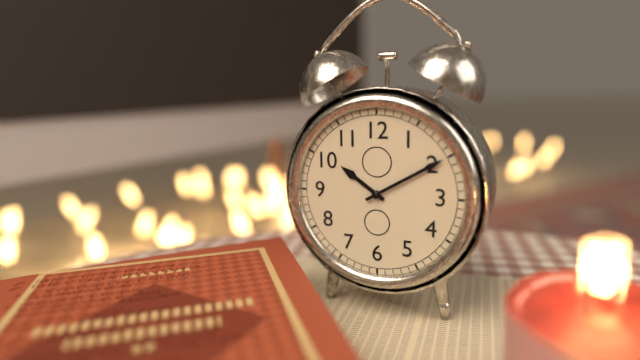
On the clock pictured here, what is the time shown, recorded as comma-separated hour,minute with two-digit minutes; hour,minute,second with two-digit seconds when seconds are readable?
10,10
